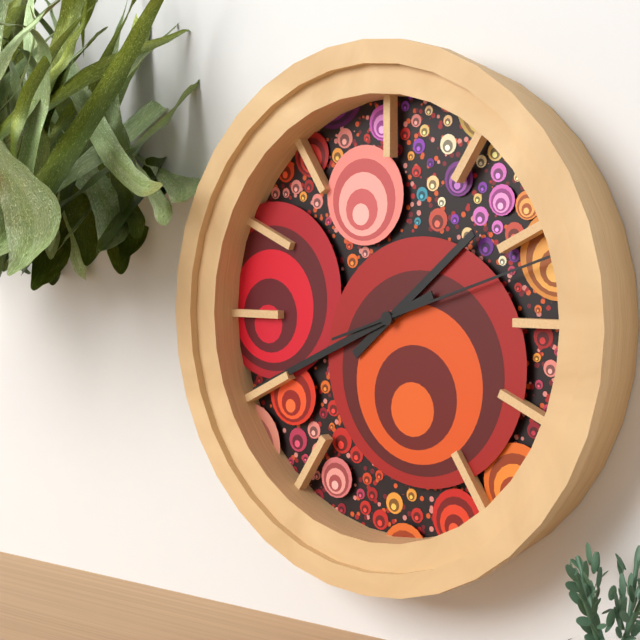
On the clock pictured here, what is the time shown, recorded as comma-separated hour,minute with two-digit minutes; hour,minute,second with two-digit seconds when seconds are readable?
1,41,12
